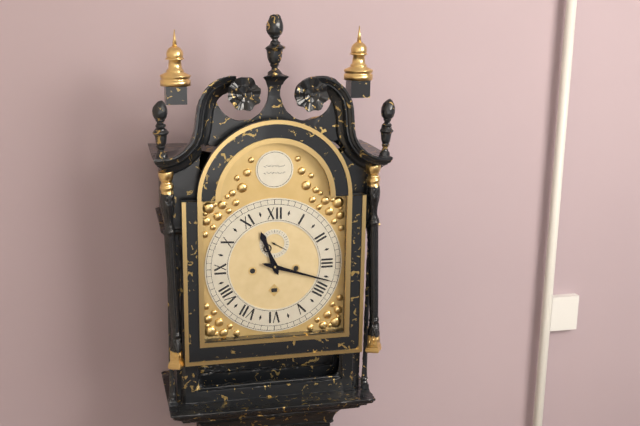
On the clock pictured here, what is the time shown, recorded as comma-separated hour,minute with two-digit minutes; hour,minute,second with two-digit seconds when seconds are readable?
11,18
